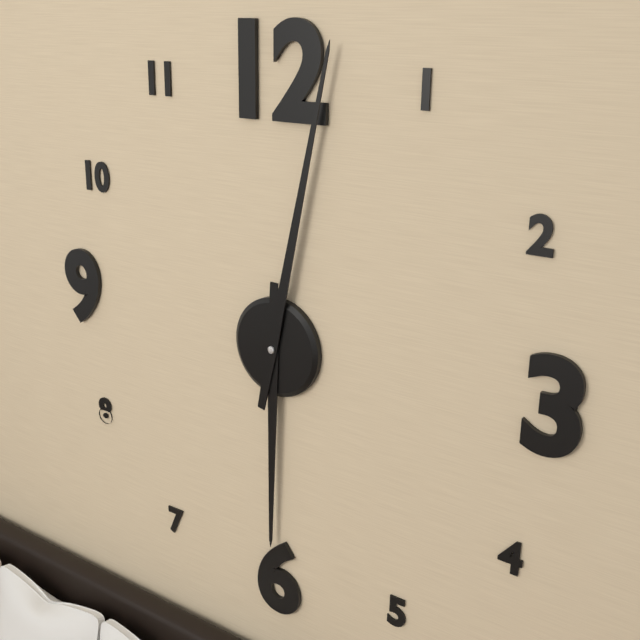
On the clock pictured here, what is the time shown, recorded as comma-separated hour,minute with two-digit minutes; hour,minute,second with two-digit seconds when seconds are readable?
6,02
